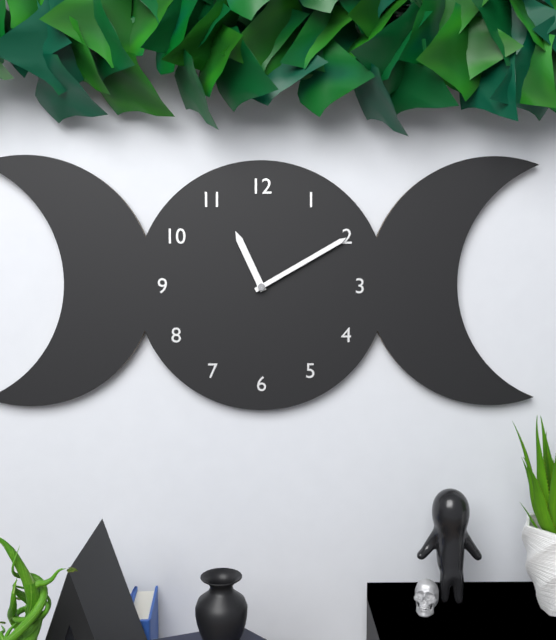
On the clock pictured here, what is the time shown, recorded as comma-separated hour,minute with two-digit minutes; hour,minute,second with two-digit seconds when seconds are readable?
11,10
